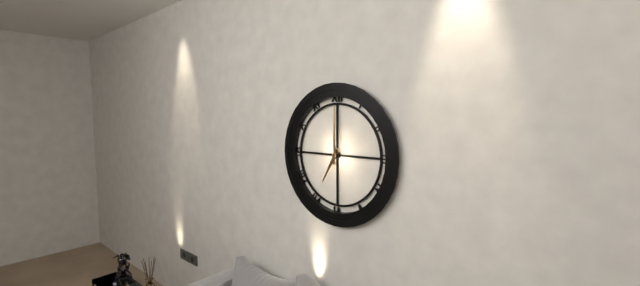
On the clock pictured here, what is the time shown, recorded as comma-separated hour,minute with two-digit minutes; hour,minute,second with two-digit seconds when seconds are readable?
7,00
